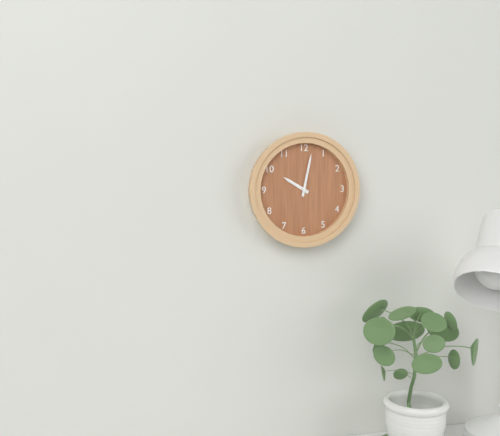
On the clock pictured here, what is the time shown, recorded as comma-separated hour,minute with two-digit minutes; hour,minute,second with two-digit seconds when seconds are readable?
10,02
